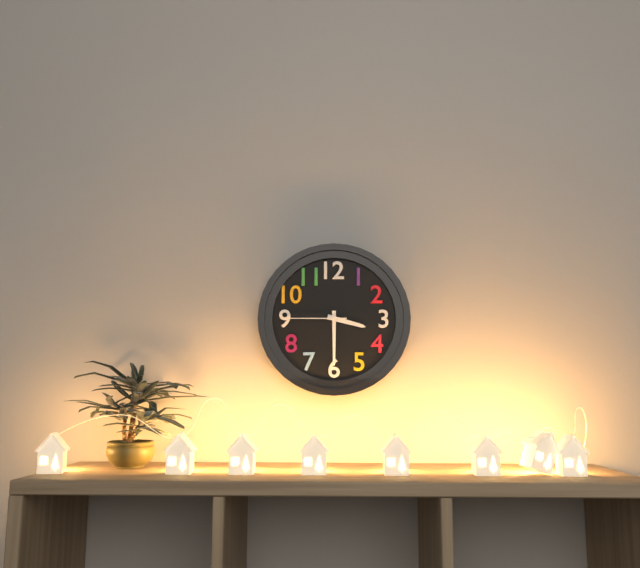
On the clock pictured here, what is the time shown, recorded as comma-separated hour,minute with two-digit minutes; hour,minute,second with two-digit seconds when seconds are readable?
3,30,45
